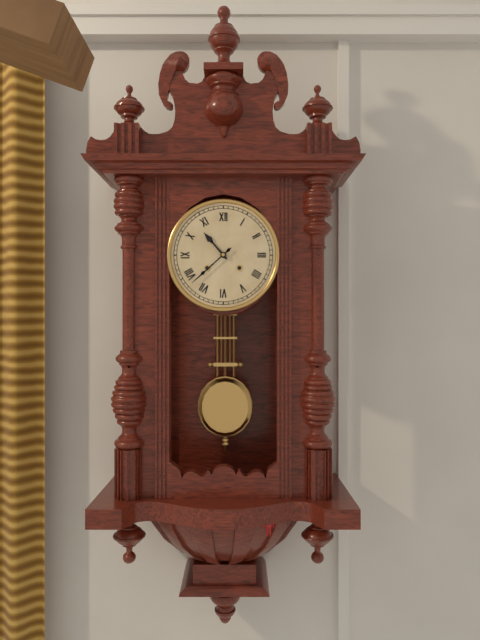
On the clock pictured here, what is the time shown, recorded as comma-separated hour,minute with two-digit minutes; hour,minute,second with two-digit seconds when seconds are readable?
10,38
